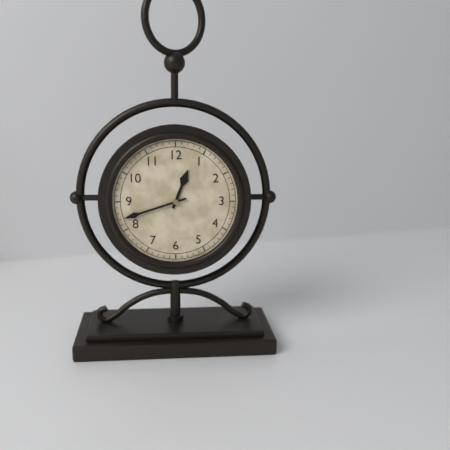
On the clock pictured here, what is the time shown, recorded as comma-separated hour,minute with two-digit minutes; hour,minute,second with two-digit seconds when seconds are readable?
12,42
